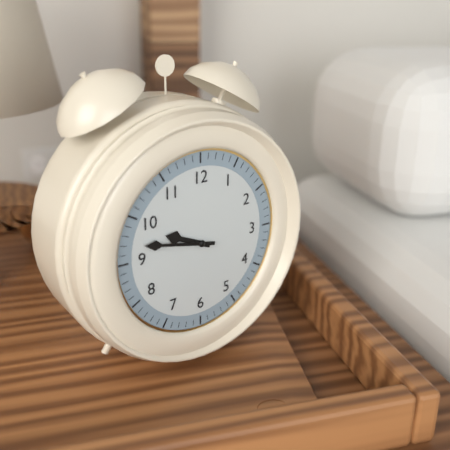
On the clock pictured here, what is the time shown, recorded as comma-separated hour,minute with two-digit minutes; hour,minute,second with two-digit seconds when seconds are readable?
9,47
